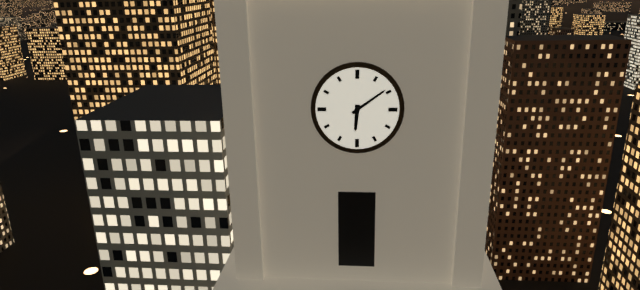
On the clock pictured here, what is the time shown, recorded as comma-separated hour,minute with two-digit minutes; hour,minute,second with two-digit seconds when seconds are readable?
6,09
